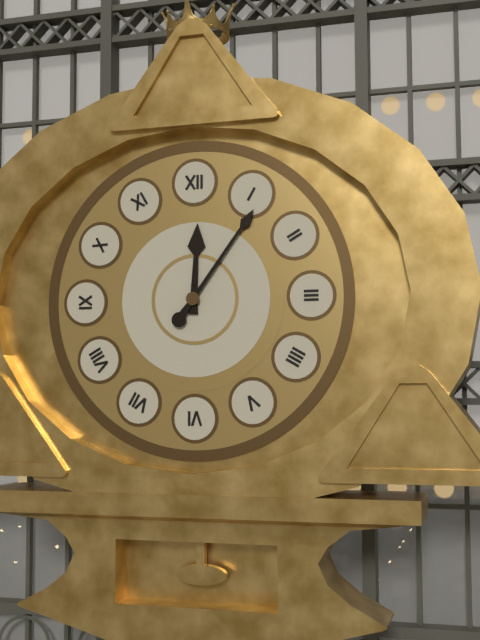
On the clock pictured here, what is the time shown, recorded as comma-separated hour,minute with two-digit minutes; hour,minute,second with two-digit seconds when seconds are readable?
12,06
